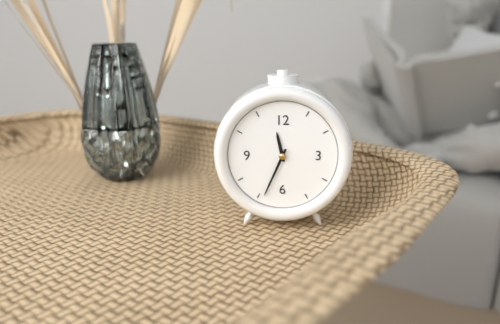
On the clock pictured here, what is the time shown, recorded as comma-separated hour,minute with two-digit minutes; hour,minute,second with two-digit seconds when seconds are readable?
11,34
